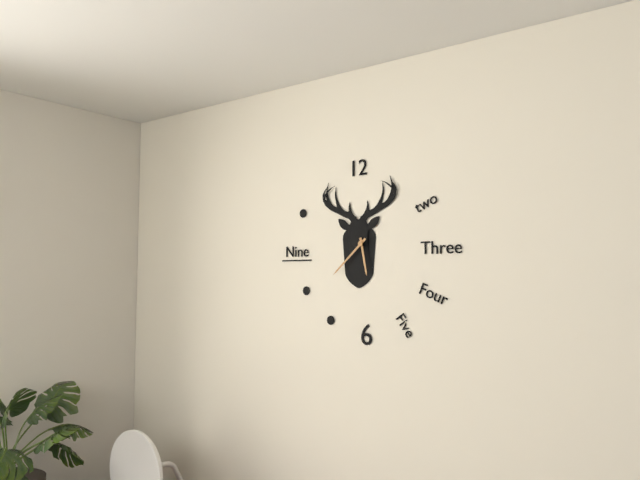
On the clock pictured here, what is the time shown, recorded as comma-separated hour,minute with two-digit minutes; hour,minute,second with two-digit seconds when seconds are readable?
5,38
